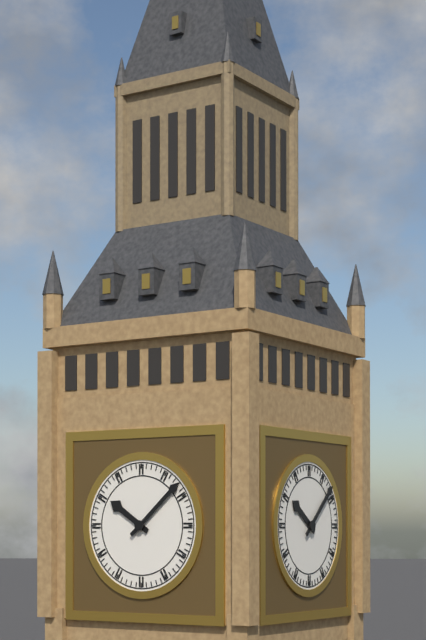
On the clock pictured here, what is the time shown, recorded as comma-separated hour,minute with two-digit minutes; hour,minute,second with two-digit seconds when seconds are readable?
10,08
